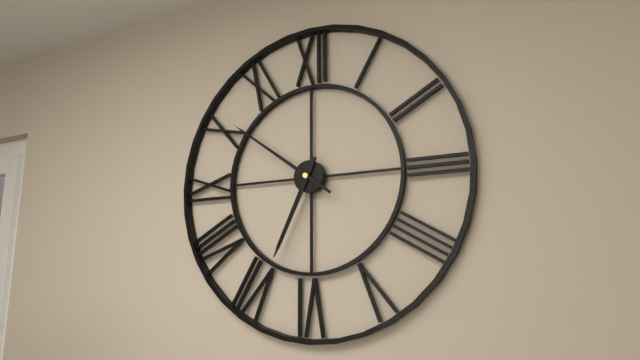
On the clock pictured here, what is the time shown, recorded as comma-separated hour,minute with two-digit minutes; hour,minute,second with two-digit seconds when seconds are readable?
6,51
